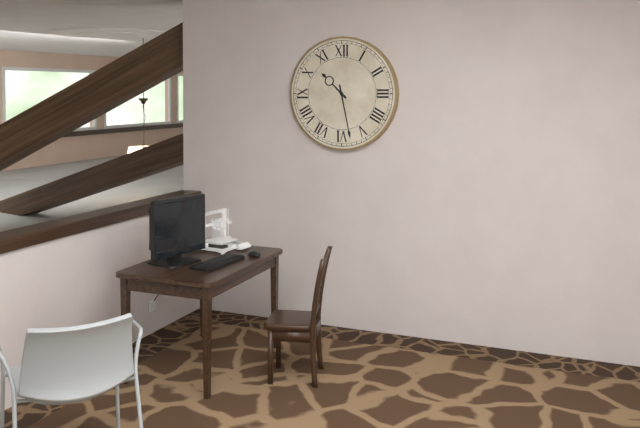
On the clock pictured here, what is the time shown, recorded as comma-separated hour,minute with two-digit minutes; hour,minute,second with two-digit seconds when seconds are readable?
10,28
